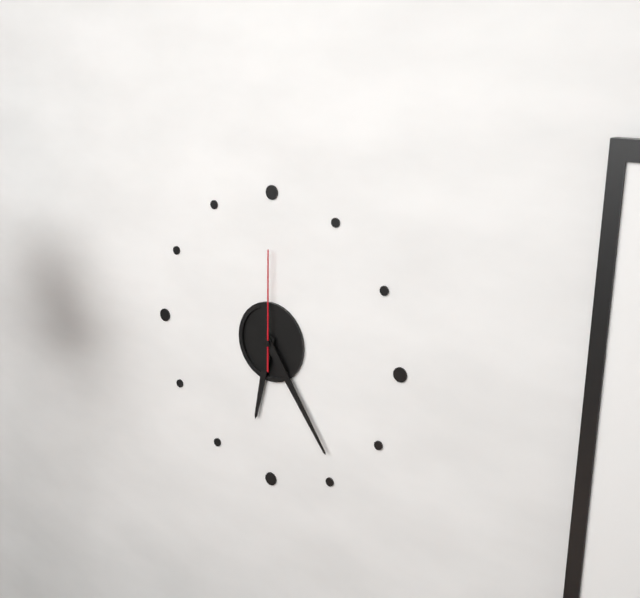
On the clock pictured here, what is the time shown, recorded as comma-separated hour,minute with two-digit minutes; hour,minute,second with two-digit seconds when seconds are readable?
6,24,00
